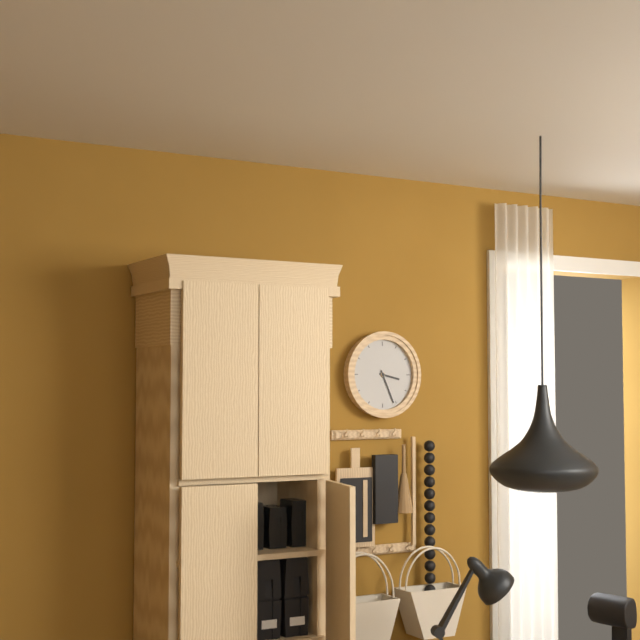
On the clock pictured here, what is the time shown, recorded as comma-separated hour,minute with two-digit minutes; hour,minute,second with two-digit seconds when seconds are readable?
3,26
